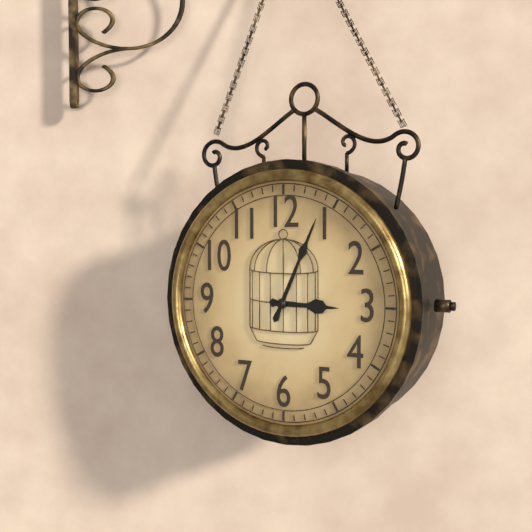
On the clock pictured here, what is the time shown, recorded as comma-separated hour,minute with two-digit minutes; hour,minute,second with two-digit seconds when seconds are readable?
3,04
